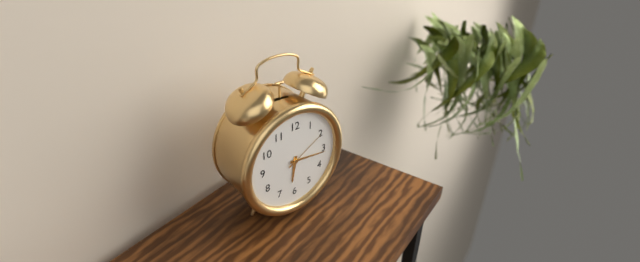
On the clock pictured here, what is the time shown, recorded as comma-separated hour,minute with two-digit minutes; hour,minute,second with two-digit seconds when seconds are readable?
6,16
